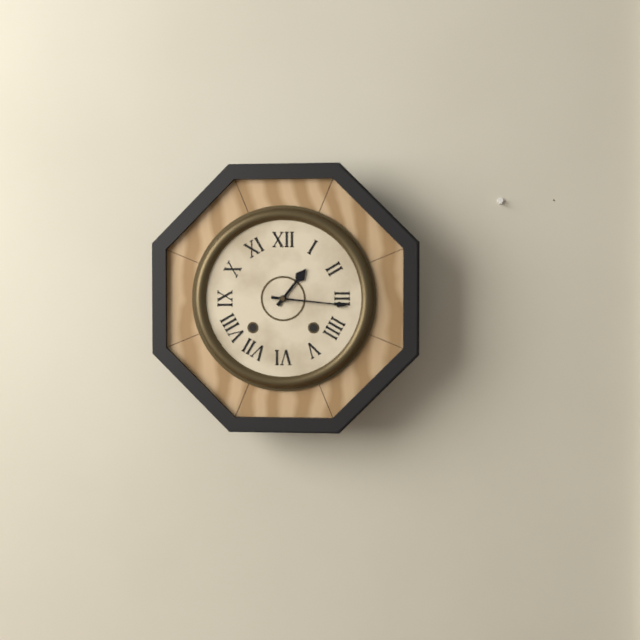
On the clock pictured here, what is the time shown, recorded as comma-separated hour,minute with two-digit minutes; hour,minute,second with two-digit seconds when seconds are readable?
1,16
